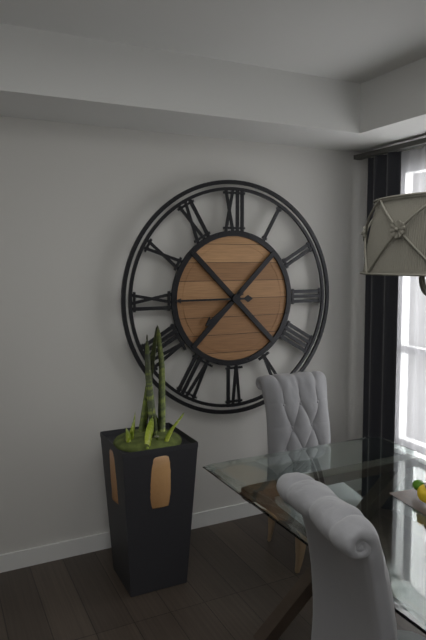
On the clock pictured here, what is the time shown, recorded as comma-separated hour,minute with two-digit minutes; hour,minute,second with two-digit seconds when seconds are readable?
7,45
